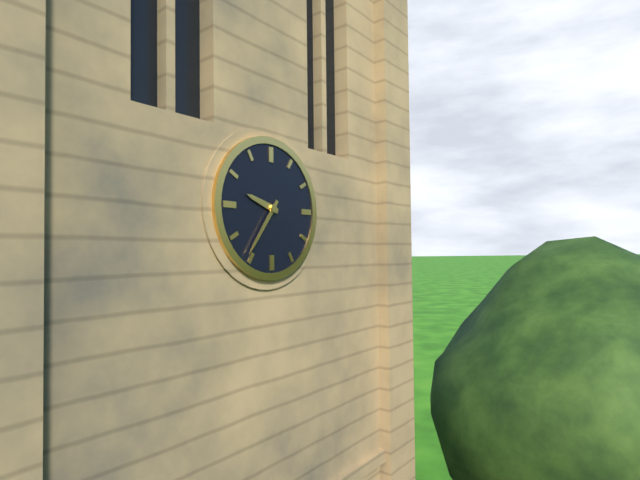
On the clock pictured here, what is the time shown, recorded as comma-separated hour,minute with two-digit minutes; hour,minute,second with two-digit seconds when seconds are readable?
9,36
